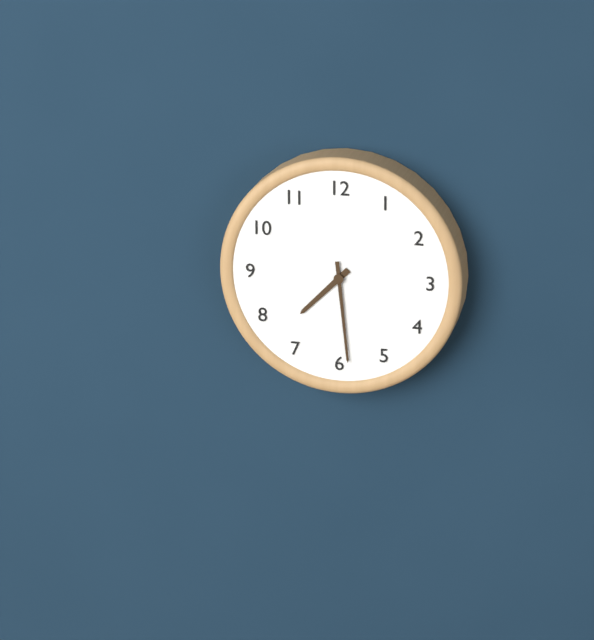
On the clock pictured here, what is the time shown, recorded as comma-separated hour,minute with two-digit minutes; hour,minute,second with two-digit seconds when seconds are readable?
7,29
